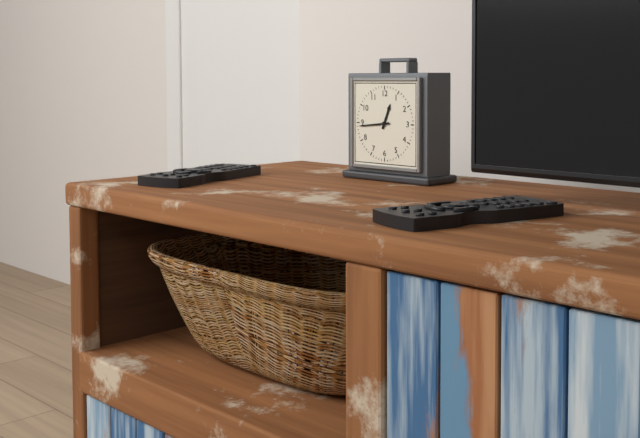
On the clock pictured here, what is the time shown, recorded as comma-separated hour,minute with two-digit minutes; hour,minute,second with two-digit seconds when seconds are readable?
12,44
